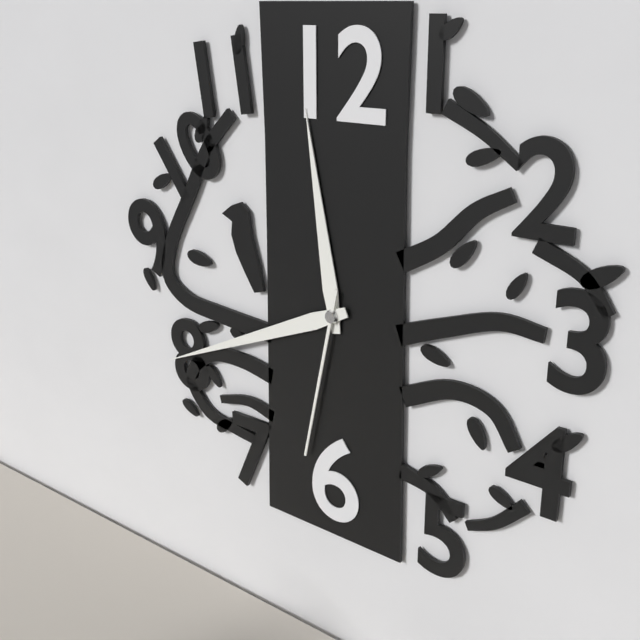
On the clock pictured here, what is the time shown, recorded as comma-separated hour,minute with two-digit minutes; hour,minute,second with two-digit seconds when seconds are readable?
11,41,32
